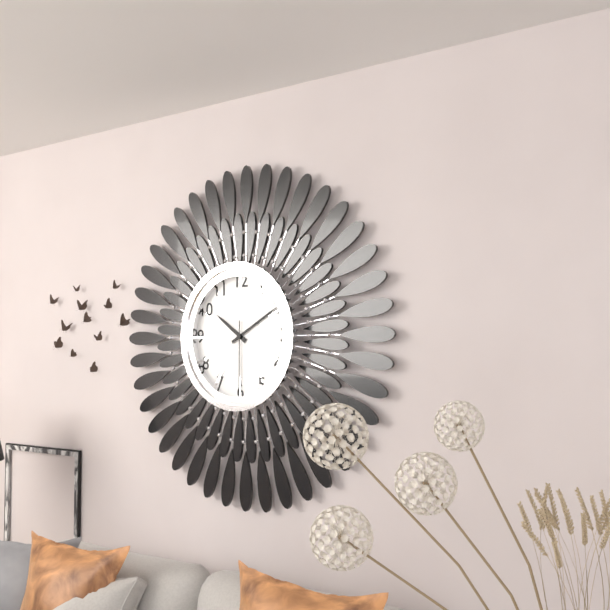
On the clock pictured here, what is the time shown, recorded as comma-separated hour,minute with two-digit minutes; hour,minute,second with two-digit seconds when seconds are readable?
10,10,30
